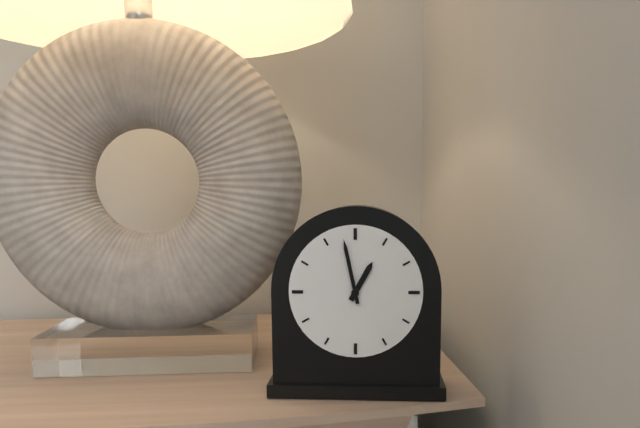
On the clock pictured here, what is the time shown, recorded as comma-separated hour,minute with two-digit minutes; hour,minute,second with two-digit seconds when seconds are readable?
12,58
